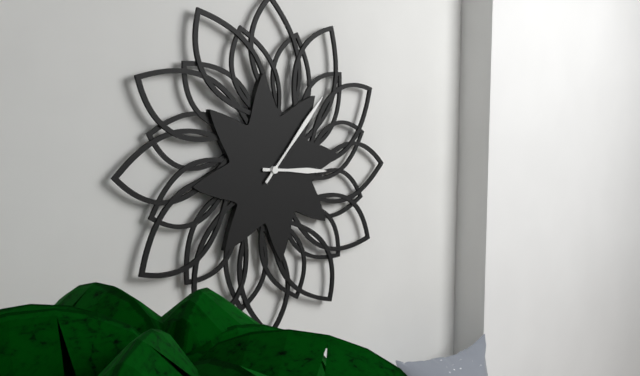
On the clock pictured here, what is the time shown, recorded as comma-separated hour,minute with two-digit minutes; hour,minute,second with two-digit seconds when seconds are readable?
3,07
